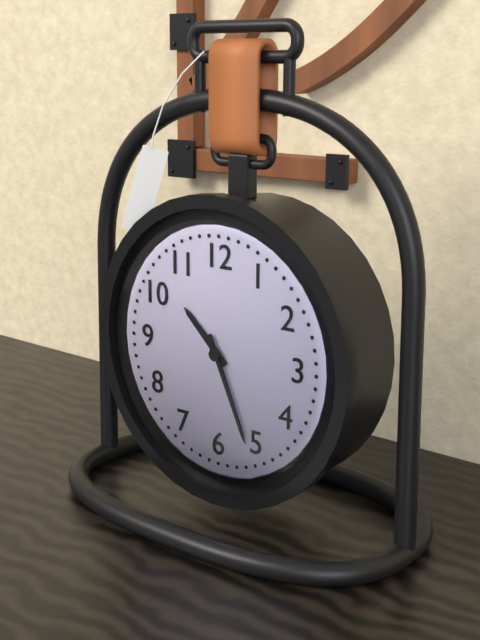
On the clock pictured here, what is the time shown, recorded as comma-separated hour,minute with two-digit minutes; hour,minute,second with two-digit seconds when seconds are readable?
10,26
